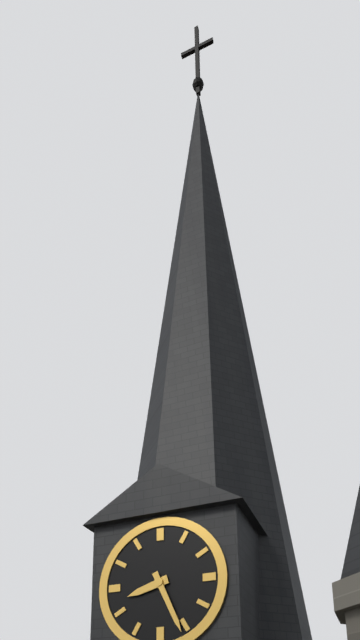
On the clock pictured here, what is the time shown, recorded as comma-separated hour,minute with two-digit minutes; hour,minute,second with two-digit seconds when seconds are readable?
8,26
